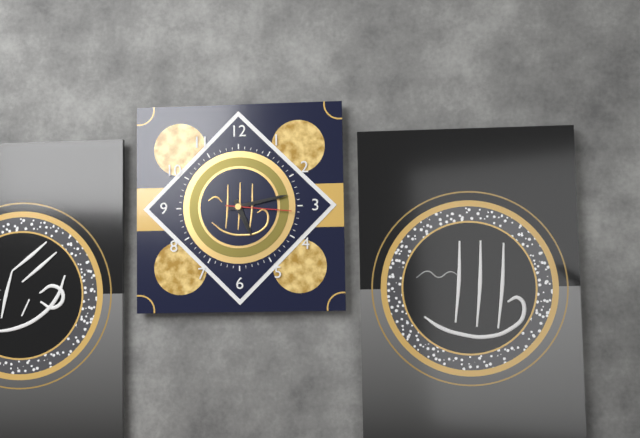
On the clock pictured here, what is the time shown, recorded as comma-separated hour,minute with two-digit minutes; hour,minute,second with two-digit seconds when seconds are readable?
5,13,16
